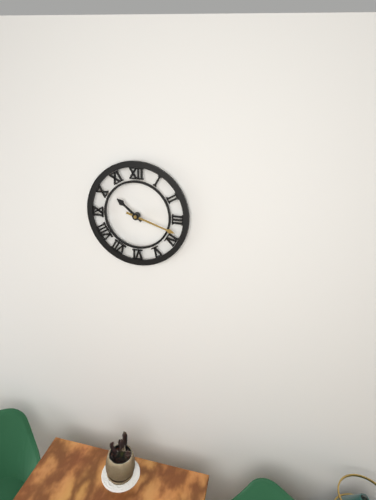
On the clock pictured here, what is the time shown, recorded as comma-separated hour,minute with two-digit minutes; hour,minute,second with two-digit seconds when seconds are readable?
10,18
